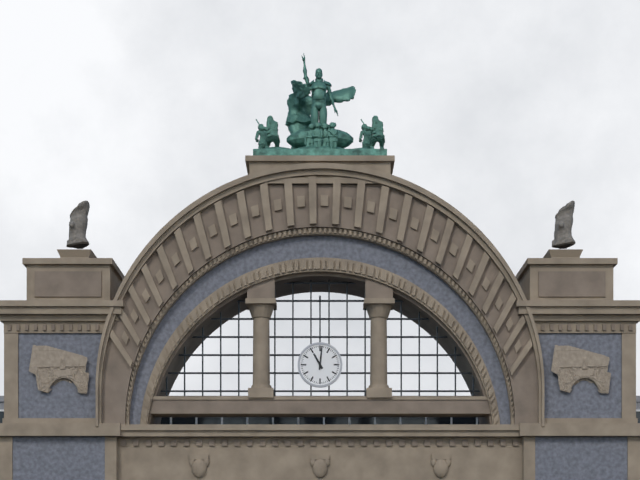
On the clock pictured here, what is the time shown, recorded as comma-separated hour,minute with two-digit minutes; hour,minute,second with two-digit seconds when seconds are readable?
11,01
